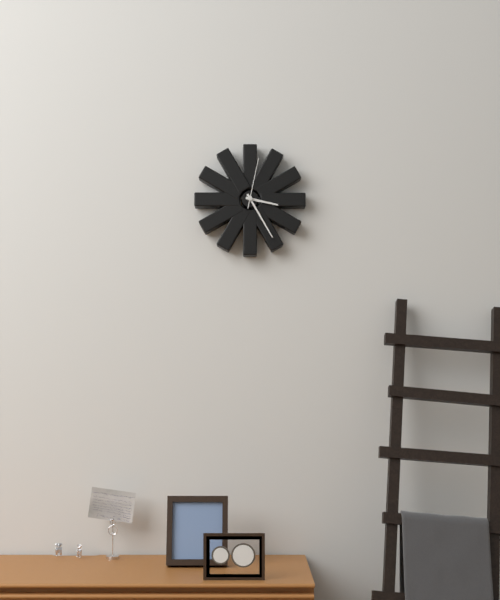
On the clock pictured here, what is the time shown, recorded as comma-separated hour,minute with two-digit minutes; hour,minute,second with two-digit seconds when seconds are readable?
3,25,02
